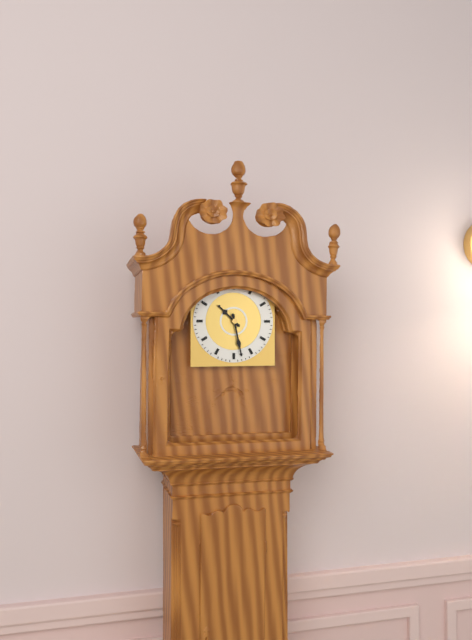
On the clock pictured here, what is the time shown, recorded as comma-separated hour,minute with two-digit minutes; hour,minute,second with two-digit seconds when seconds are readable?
10,28
